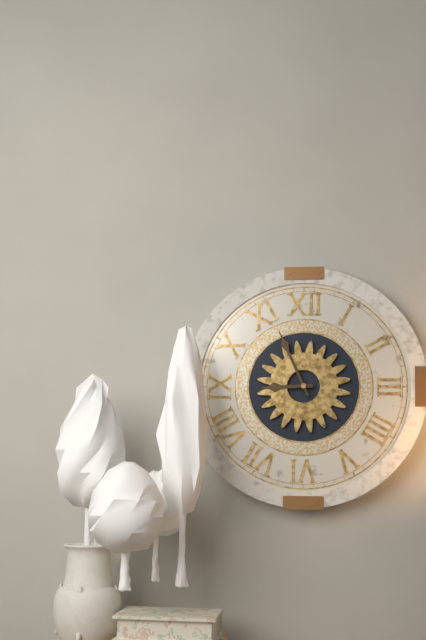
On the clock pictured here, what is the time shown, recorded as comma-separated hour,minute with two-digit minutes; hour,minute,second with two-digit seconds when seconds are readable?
8,56
